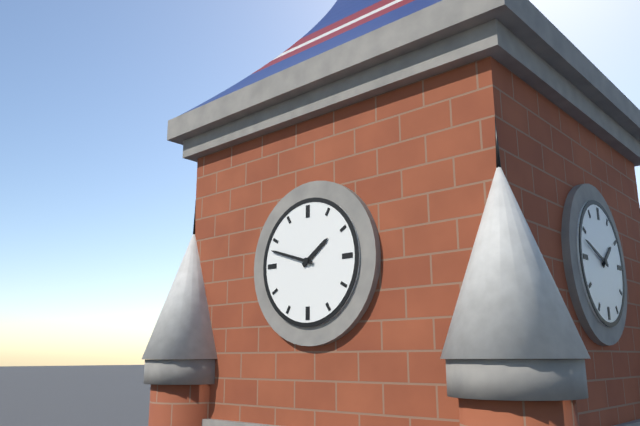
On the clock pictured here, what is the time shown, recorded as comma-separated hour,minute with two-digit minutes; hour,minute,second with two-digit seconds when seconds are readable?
1,48
